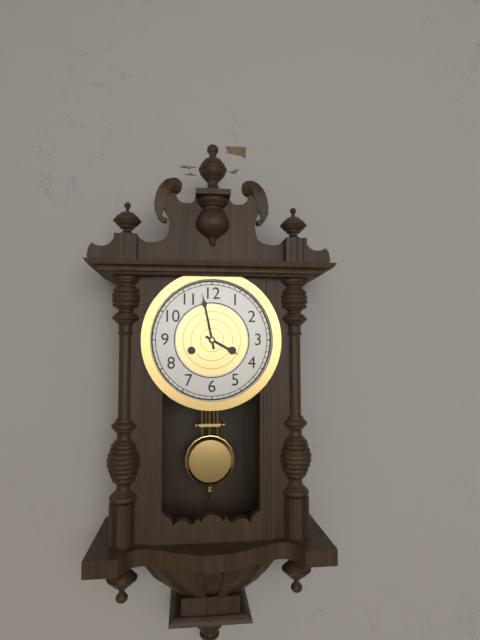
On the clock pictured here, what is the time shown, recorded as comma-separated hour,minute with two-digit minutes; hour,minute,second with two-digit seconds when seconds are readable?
3,58
